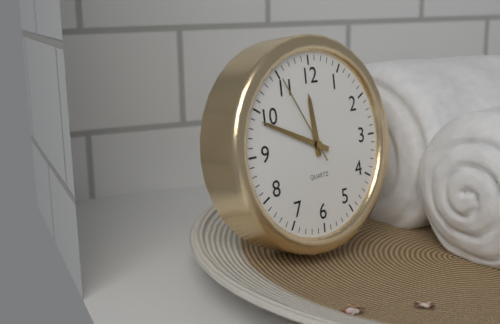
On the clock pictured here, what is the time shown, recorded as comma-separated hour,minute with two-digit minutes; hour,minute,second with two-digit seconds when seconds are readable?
11,49,55
